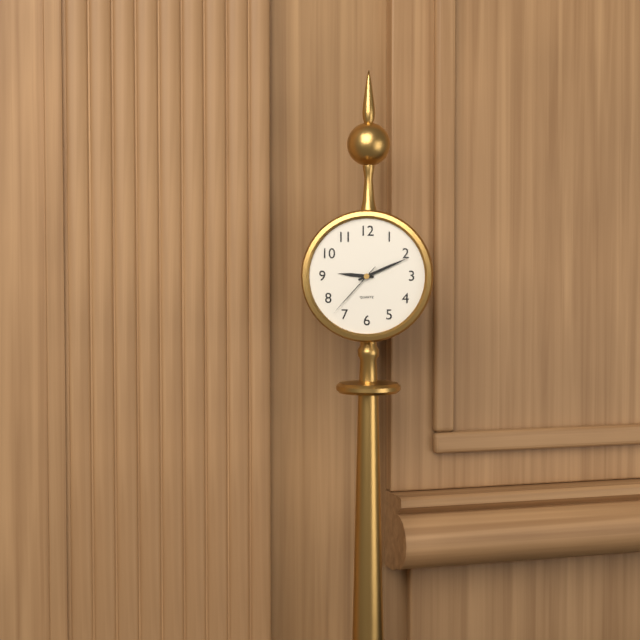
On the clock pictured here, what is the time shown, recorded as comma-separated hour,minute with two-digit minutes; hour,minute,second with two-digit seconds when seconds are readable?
9,11,37
